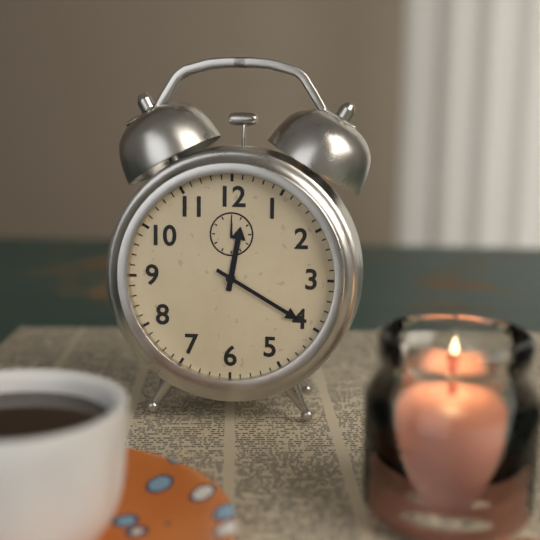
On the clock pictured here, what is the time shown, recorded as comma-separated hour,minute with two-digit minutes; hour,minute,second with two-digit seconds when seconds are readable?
12,20
